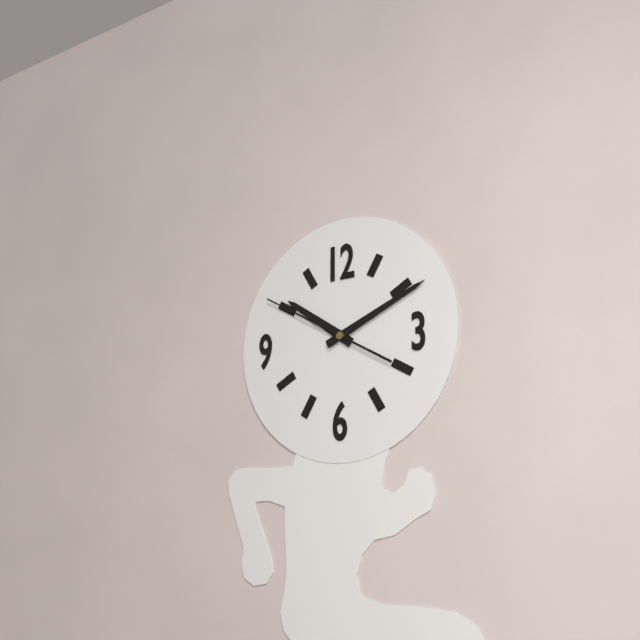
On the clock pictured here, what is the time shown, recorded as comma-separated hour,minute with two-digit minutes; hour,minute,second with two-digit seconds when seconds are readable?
10,11,50
